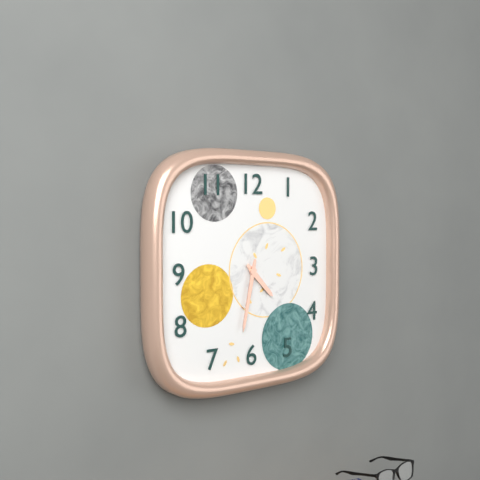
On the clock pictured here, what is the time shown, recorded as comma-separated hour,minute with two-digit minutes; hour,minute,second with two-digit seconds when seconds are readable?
4,32
